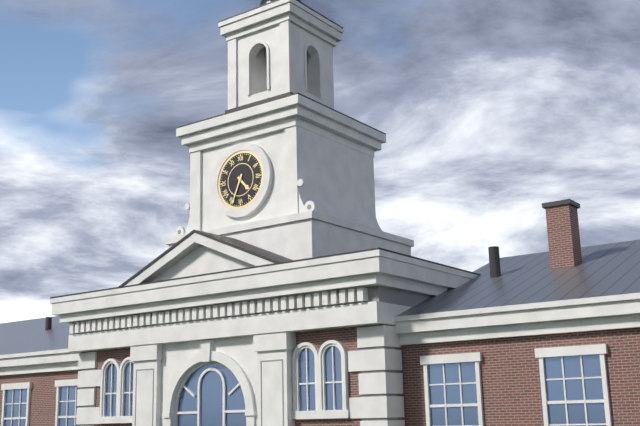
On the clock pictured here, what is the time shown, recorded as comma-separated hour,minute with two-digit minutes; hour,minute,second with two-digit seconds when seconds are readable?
4,34
